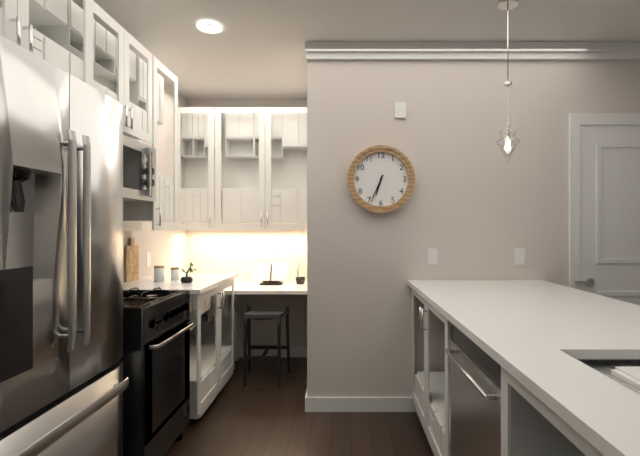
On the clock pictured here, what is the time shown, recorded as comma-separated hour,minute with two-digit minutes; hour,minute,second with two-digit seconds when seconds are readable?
6,34
